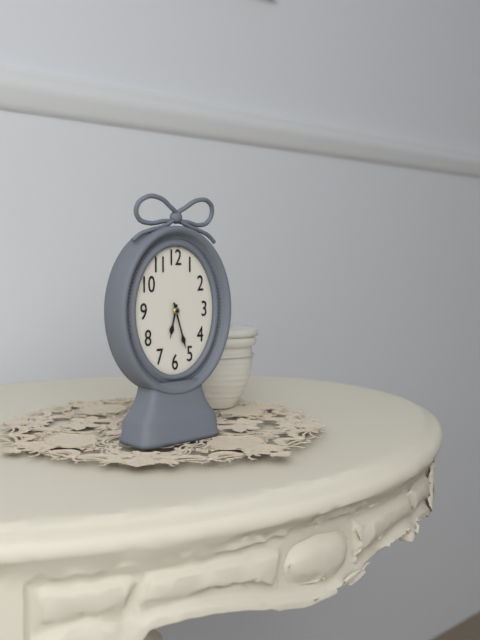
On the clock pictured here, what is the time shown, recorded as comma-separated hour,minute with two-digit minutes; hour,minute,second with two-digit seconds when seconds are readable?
6,27
